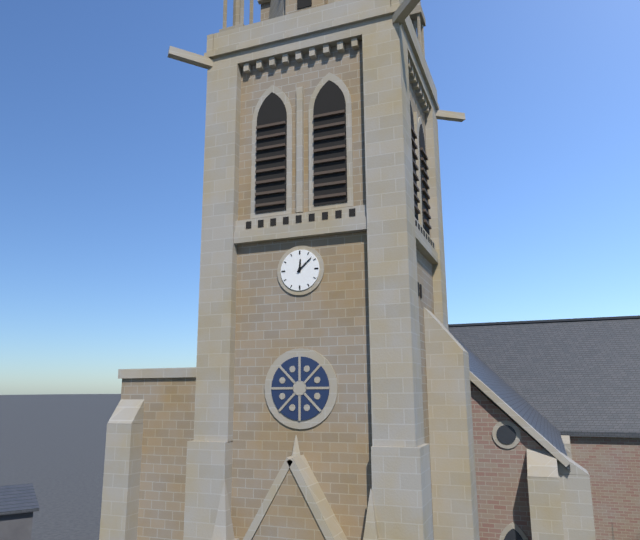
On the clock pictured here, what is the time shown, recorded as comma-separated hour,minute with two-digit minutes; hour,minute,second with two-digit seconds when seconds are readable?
12,08
